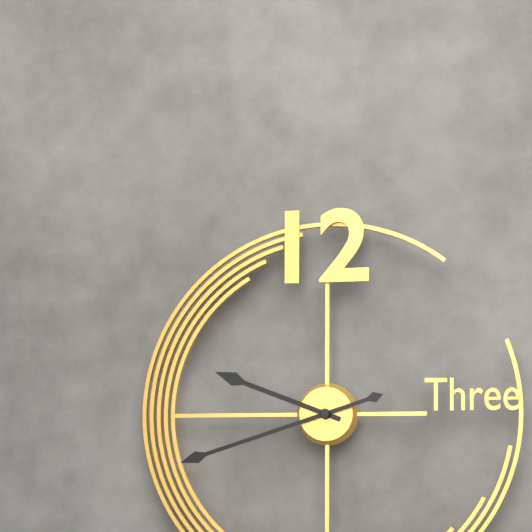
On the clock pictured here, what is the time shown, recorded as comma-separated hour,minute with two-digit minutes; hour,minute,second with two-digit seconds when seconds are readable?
9,42
